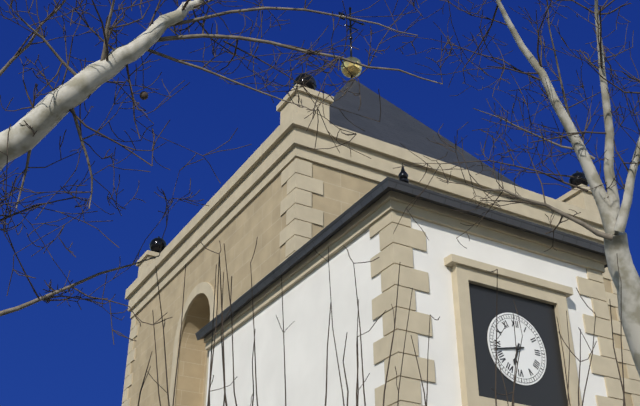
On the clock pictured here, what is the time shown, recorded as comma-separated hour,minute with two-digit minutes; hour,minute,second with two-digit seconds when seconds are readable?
6,43
